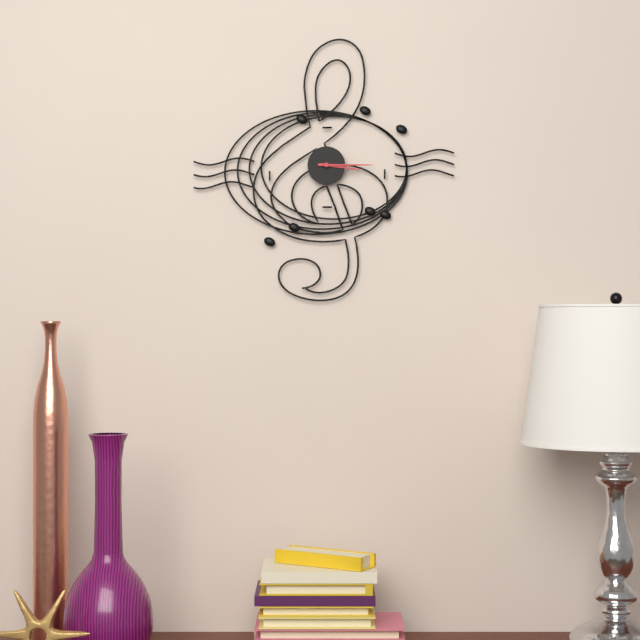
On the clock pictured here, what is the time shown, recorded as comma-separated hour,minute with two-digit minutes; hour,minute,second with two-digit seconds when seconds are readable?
3,15
